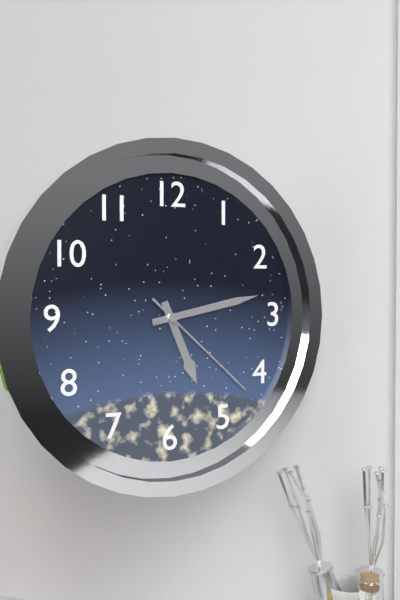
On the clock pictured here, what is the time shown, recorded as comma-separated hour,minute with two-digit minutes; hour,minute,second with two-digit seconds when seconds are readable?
5,13,22
